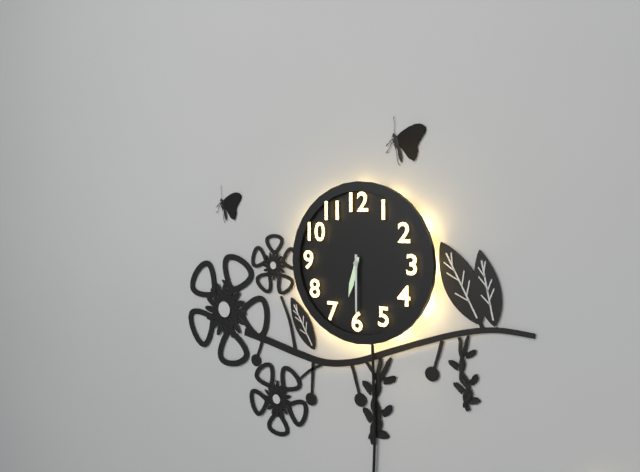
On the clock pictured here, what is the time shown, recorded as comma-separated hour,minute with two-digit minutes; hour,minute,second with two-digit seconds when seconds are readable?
6,30
